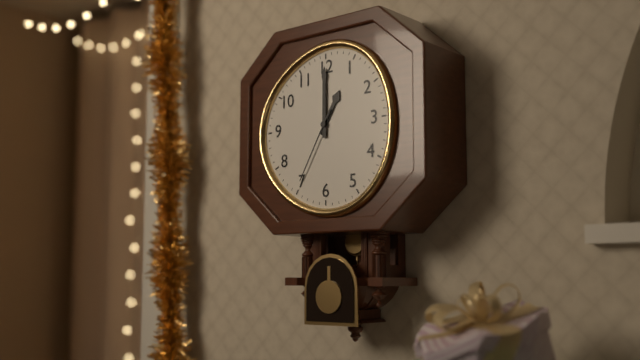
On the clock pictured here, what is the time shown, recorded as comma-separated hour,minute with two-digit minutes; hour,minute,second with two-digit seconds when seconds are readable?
1,00,35
